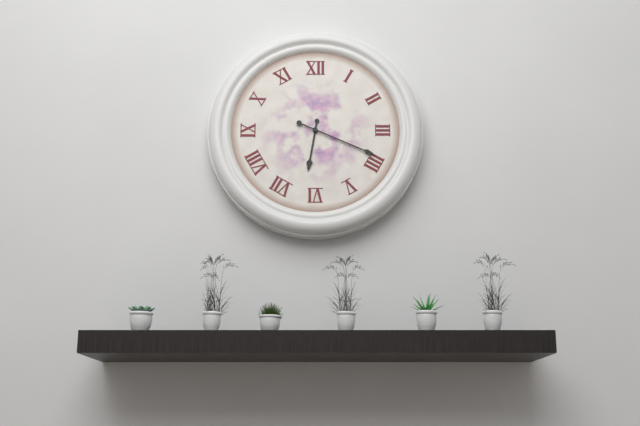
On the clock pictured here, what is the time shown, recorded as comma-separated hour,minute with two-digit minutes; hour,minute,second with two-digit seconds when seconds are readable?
6,19
